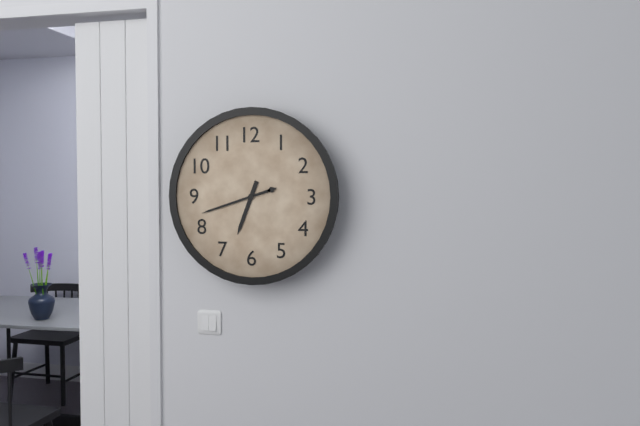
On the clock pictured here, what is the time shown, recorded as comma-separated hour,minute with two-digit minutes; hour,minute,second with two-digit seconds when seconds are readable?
6,42
